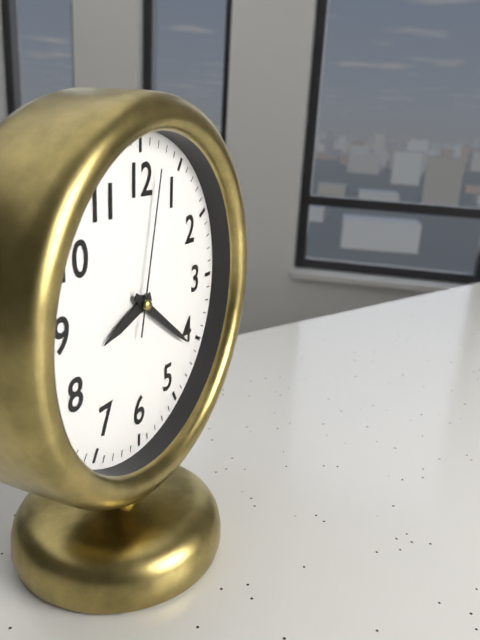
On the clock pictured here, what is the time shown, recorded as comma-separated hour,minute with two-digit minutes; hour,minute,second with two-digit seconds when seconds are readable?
8,21,02
